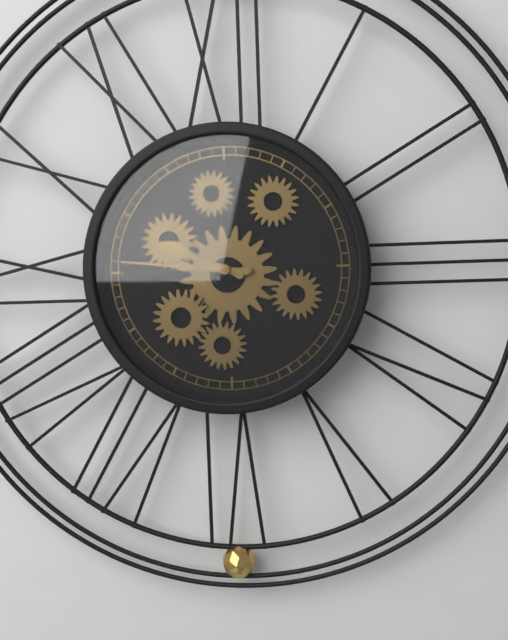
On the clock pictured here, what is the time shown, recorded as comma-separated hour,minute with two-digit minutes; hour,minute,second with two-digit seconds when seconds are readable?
9,46
